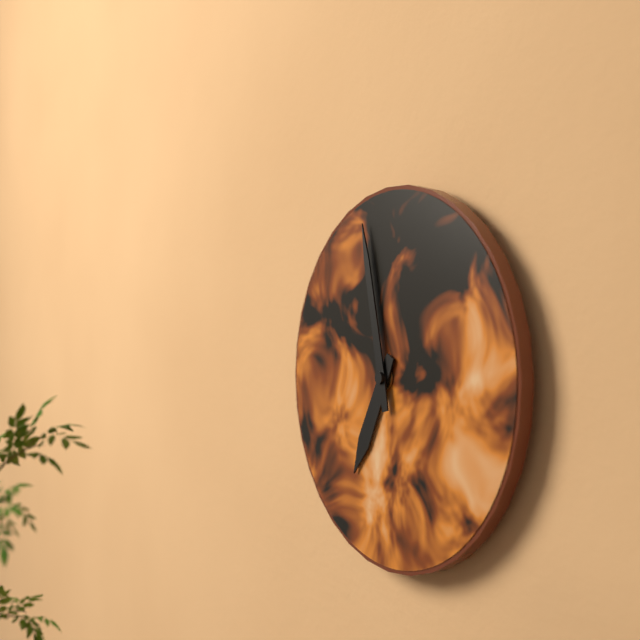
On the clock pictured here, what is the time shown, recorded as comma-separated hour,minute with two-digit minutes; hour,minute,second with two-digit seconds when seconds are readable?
6,58
